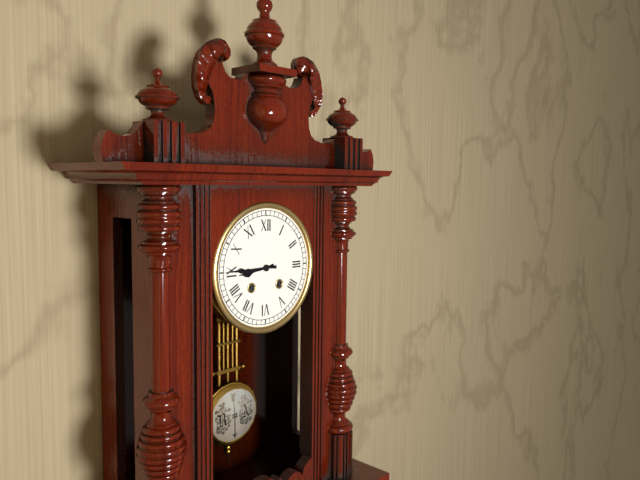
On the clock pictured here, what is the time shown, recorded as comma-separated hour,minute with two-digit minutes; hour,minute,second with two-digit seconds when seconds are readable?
8,45
